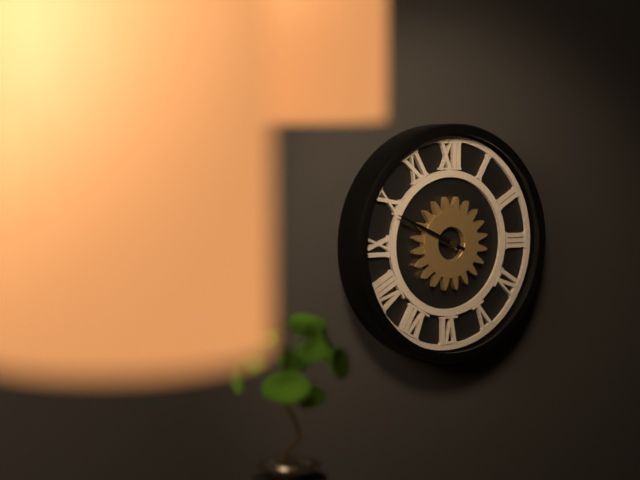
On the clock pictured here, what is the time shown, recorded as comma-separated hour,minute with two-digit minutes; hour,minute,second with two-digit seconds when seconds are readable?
9,49
